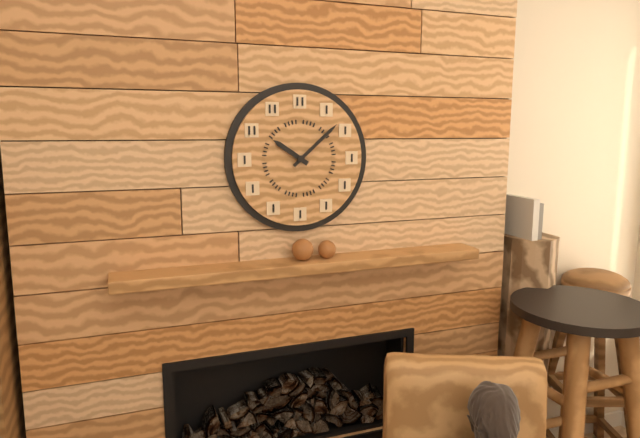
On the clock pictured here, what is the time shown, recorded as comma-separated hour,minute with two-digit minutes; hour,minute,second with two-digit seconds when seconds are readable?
10,08
